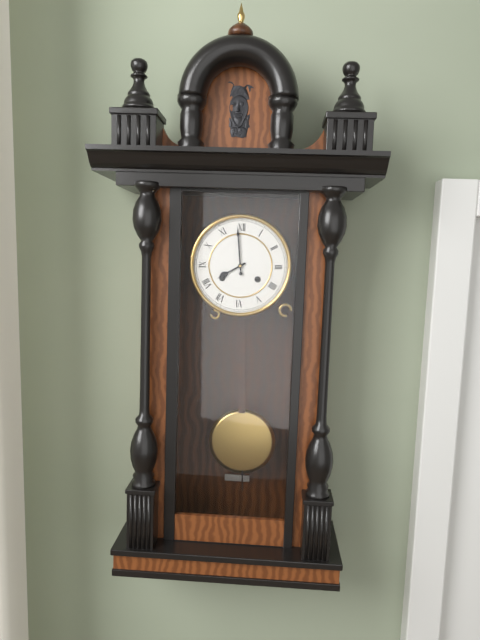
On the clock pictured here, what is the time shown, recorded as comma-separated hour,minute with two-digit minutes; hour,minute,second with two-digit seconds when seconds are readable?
7,59
